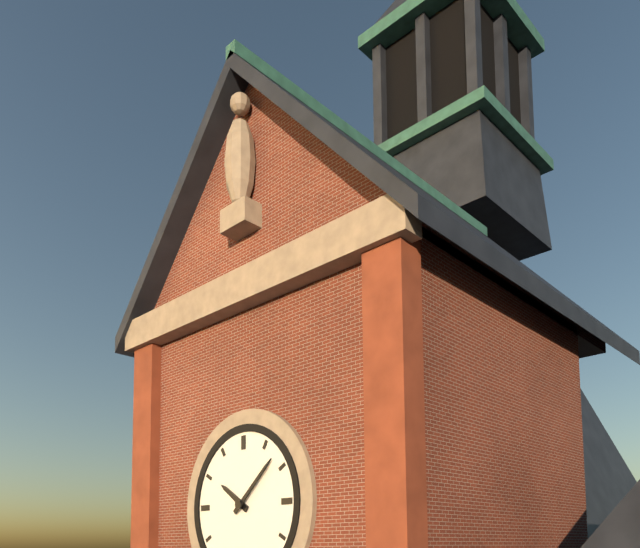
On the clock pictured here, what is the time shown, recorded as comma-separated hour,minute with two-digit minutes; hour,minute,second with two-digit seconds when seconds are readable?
10,08
